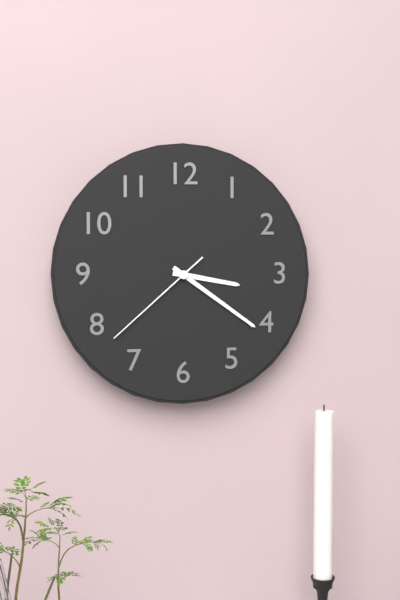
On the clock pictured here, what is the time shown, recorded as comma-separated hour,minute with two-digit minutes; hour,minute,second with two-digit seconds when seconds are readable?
3,21,38
